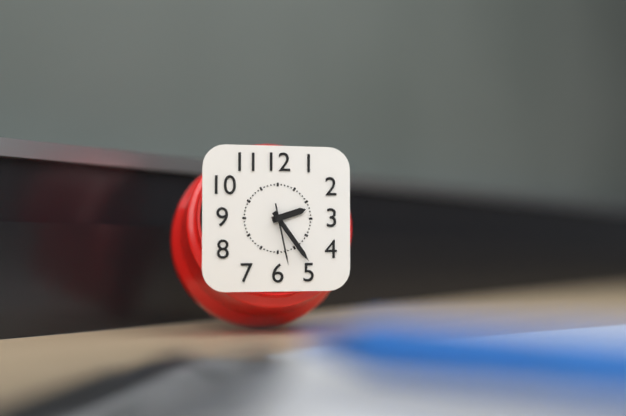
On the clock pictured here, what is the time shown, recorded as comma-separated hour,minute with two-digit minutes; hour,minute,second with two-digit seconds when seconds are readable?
2,24,28
